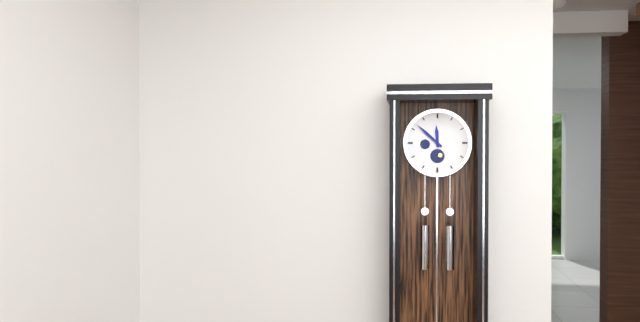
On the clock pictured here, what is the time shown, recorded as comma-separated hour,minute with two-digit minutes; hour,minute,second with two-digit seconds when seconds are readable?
11,52
